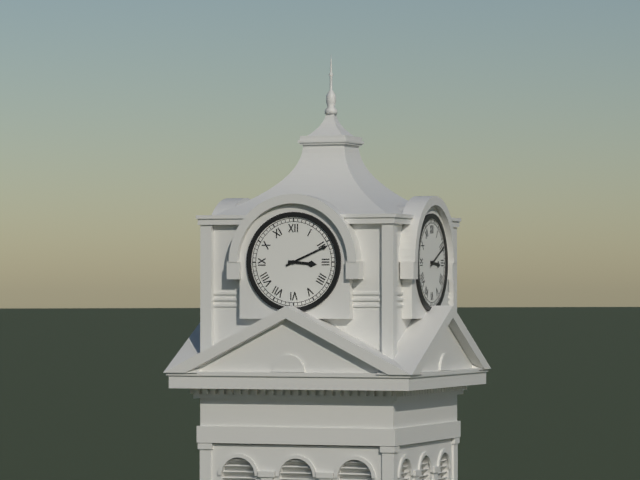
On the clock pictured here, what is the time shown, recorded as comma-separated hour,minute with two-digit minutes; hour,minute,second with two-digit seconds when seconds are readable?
3,11
